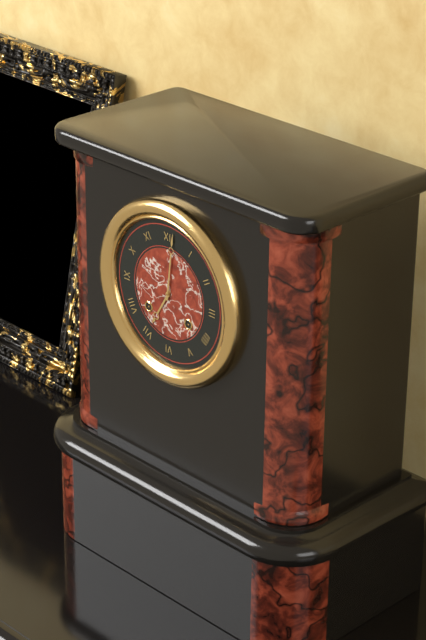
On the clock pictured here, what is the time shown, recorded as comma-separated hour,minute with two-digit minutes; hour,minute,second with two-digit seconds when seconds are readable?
7,01
